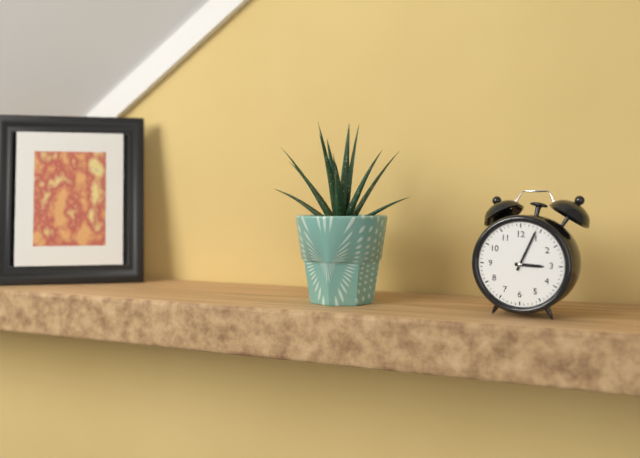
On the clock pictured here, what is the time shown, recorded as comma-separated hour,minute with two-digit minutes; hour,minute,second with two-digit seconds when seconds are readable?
3,04
